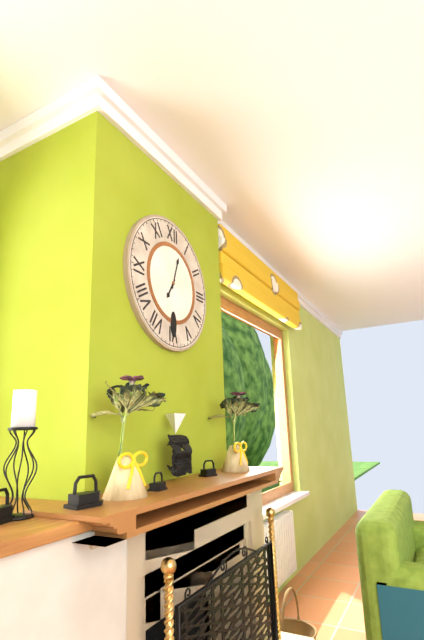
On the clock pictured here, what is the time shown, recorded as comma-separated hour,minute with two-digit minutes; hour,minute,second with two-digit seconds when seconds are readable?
7,03
